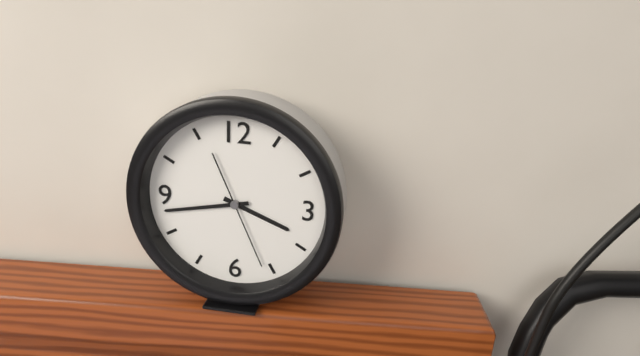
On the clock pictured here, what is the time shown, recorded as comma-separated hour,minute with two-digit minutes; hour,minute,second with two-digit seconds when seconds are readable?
3,43,26
